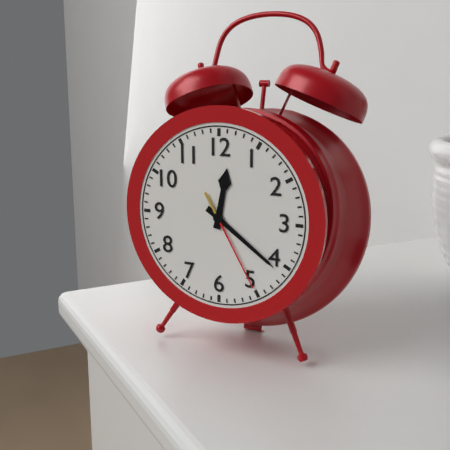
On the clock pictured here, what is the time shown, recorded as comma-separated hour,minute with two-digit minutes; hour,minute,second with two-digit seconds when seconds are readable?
12,21,25
